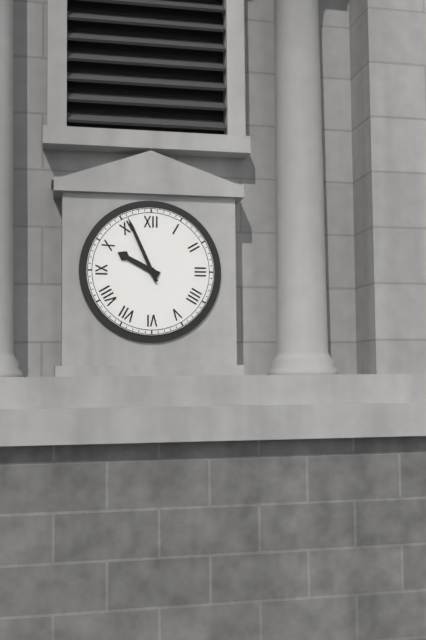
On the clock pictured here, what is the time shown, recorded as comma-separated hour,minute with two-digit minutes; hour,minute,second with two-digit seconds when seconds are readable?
9,56
